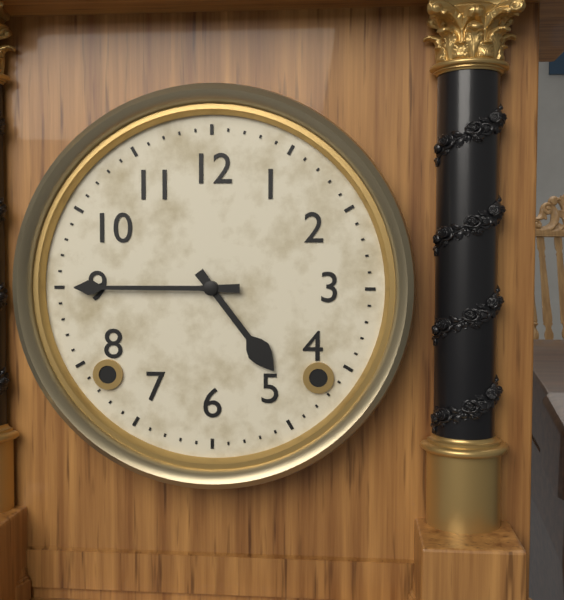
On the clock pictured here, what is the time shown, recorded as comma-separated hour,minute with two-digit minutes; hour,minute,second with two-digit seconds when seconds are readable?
4,45
